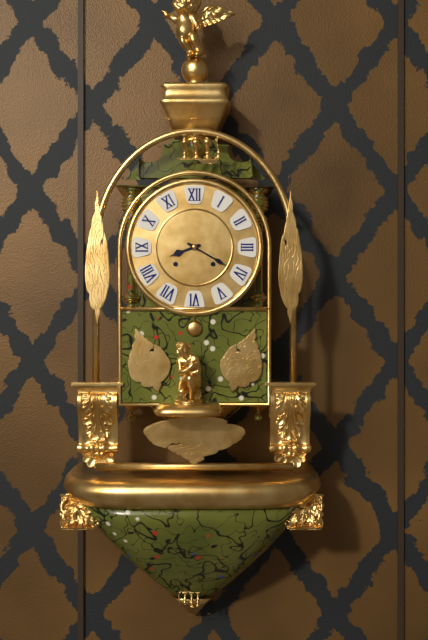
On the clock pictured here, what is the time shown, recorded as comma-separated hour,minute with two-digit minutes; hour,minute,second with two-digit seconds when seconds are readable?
8,20
